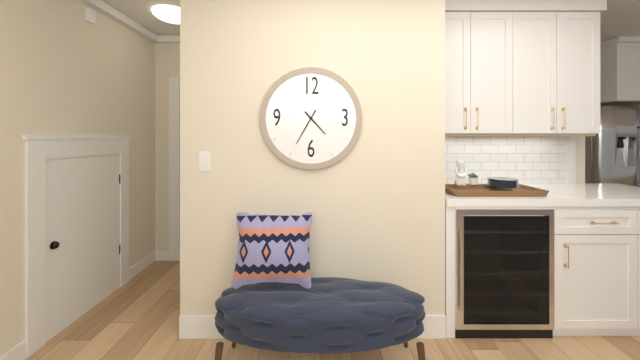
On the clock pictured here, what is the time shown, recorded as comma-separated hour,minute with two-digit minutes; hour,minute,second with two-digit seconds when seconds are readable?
4,35
